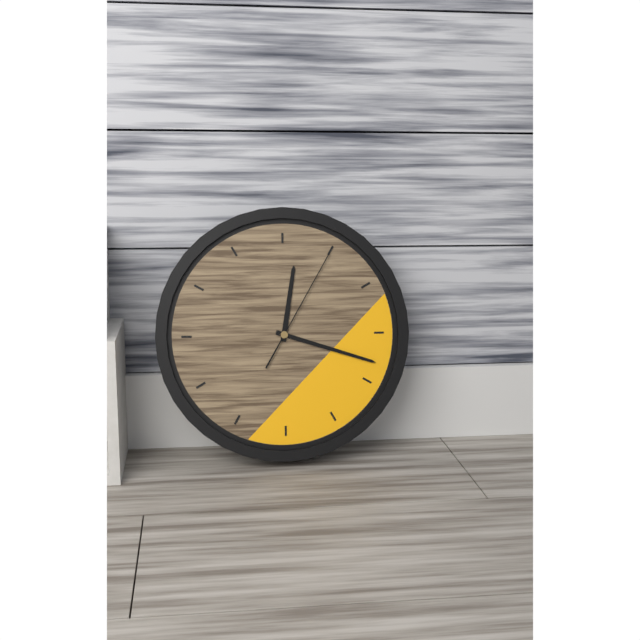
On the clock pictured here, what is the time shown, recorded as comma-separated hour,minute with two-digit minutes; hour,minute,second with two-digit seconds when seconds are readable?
12,18,05
